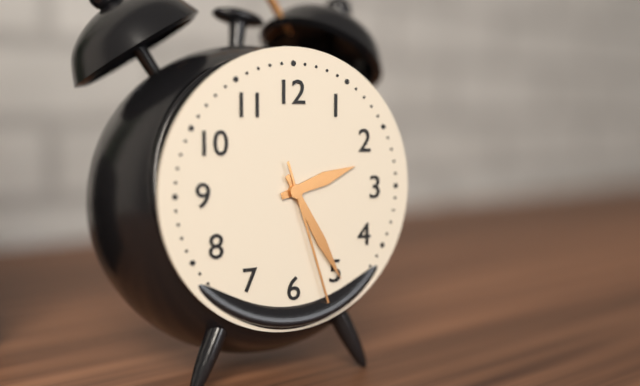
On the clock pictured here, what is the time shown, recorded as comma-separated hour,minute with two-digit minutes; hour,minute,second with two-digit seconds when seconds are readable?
2,25,27
